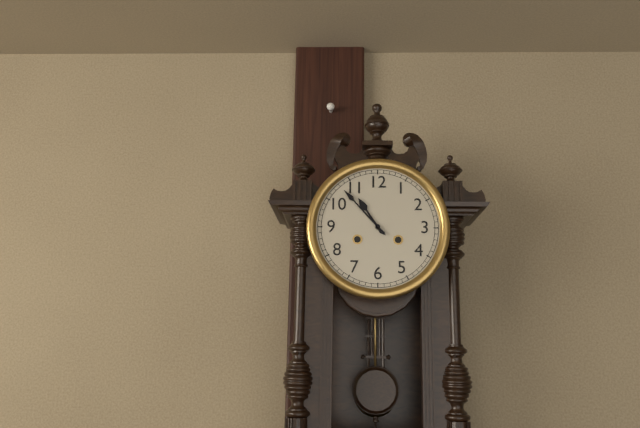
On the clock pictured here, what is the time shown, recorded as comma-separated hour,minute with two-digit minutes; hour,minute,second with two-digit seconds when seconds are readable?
10,53
